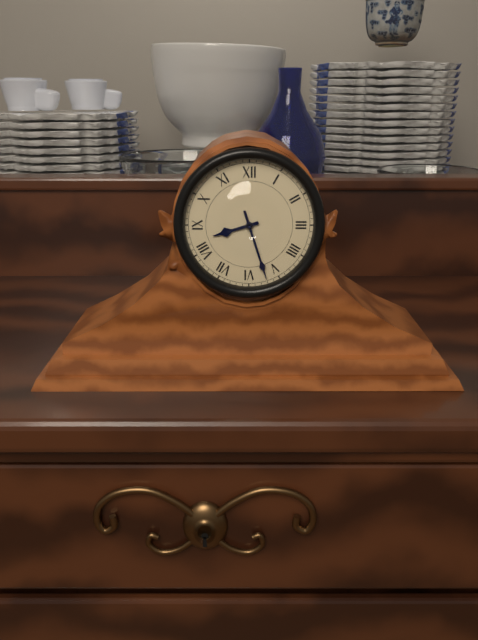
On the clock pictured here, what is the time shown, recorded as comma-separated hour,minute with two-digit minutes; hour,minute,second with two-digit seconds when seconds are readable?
8,27
